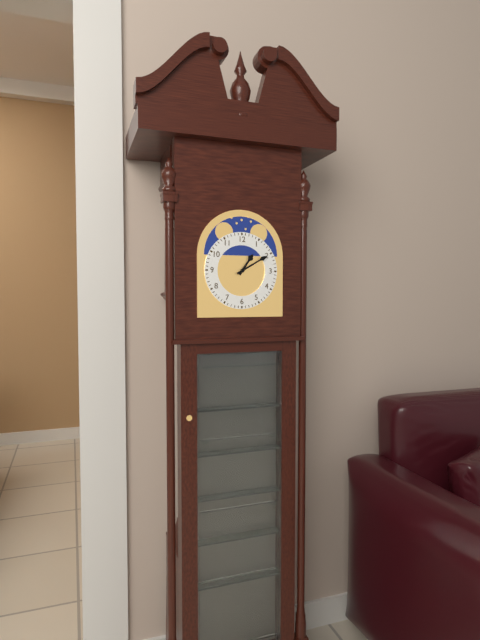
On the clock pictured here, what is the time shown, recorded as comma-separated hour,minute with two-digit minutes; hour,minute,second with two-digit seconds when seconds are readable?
1,10
